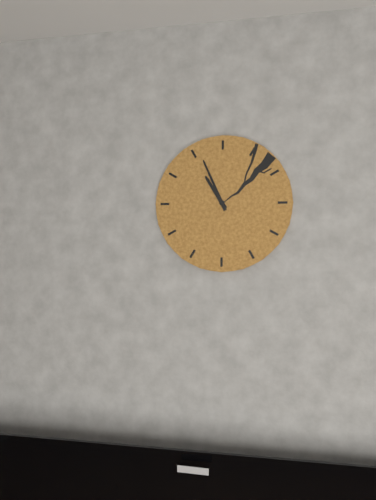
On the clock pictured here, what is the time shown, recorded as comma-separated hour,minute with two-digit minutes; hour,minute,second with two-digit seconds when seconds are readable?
10,56
